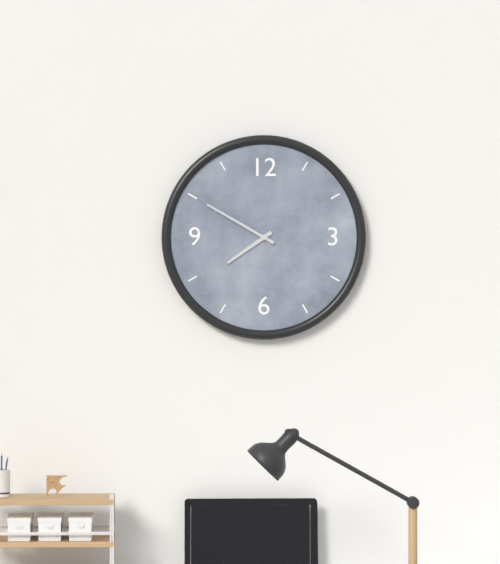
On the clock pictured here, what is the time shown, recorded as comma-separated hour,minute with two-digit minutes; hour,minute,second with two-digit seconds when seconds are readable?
7,50
